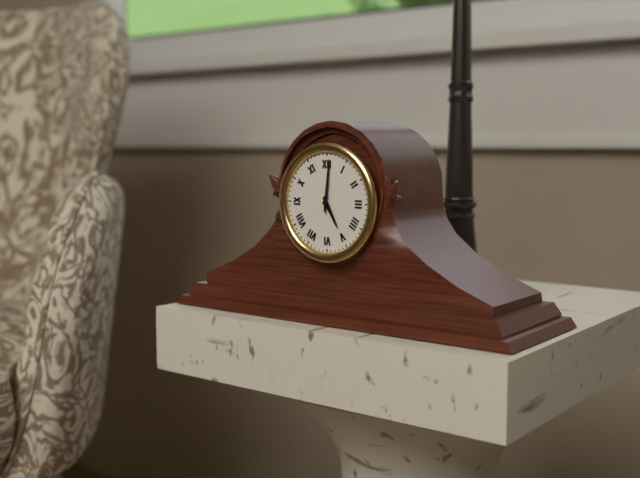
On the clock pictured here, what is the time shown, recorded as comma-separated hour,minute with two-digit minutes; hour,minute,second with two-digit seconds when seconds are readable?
5,01
